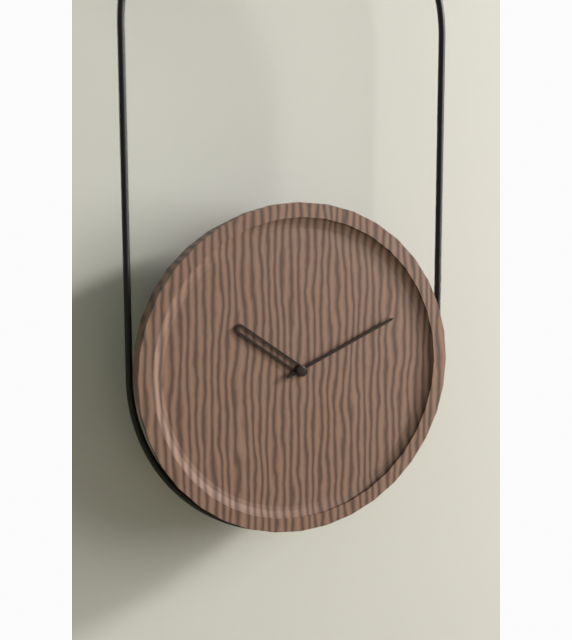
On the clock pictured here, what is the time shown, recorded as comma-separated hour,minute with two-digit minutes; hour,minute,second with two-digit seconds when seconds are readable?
10,11
